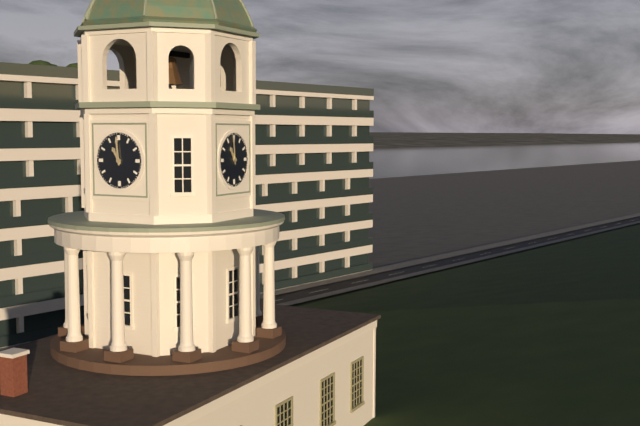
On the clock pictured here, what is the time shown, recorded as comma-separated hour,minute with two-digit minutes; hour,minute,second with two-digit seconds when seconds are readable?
10,59
